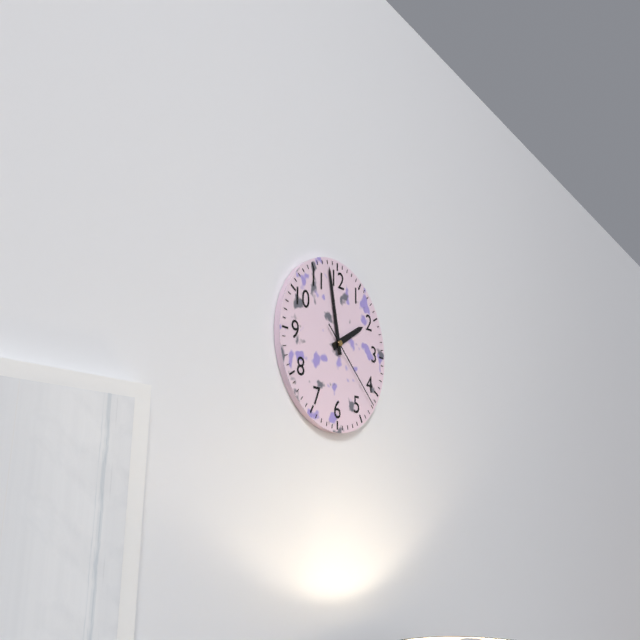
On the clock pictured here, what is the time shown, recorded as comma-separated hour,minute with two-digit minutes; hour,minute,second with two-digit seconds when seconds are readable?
1,58,22
